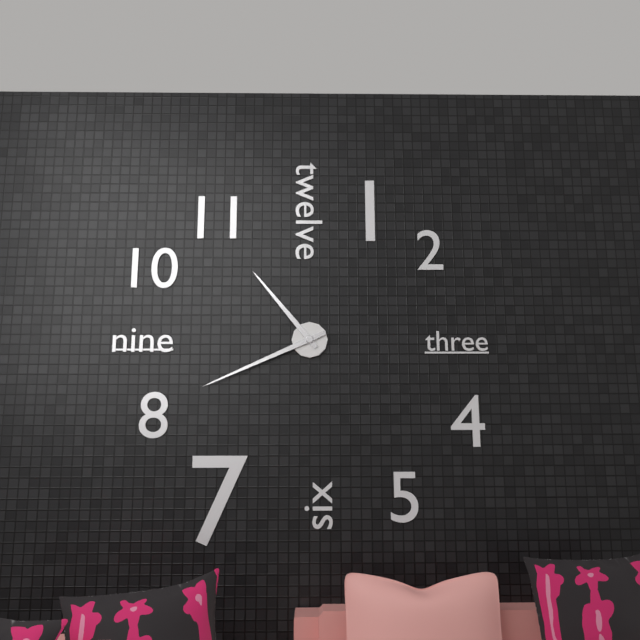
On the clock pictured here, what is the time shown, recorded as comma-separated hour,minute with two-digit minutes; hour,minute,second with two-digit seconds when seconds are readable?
10,41
